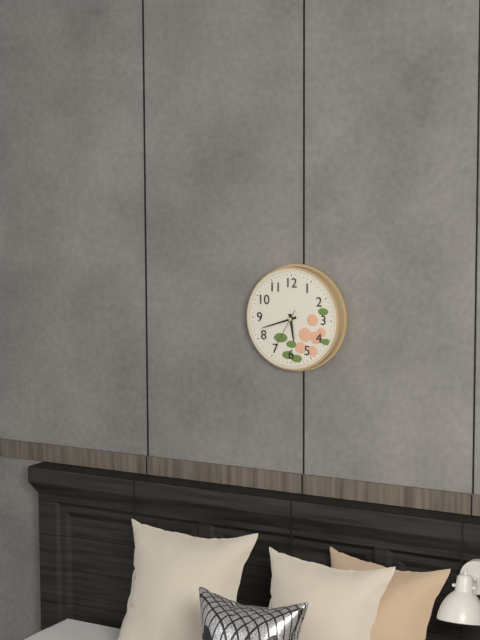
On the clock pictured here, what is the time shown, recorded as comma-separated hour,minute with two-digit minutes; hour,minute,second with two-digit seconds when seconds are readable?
5,42
